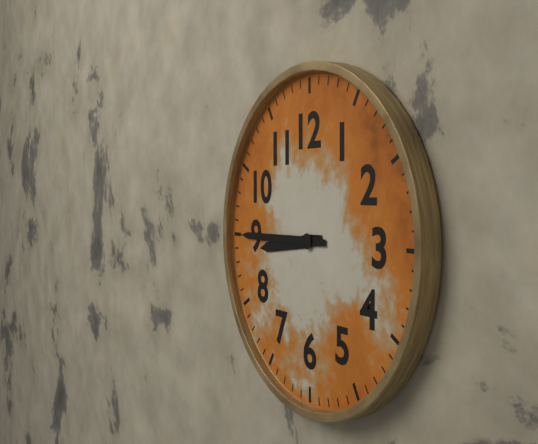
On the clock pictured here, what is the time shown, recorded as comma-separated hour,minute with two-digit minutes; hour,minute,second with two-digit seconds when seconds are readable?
8,45
